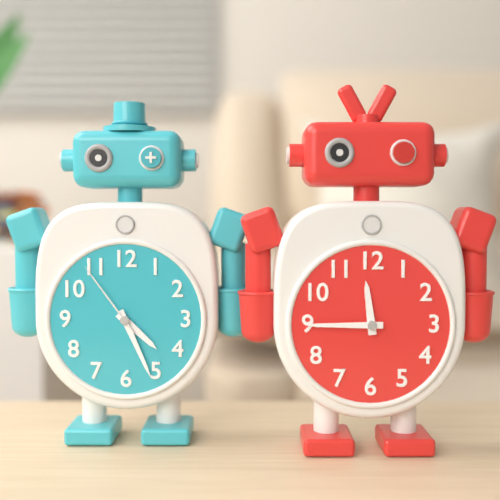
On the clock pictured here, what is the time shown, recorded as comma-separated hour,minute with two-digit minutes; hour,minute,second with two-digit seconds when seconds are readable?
4,26,54
